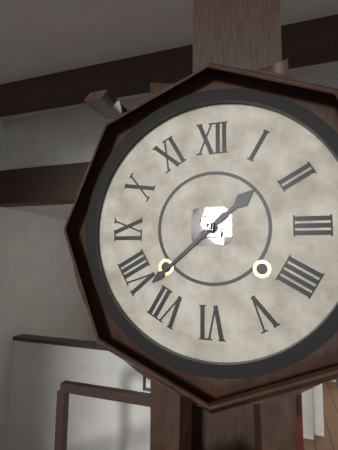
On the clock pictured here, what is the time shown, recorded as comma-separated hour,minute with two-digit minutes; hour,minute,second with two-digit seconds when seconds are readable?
1,38
